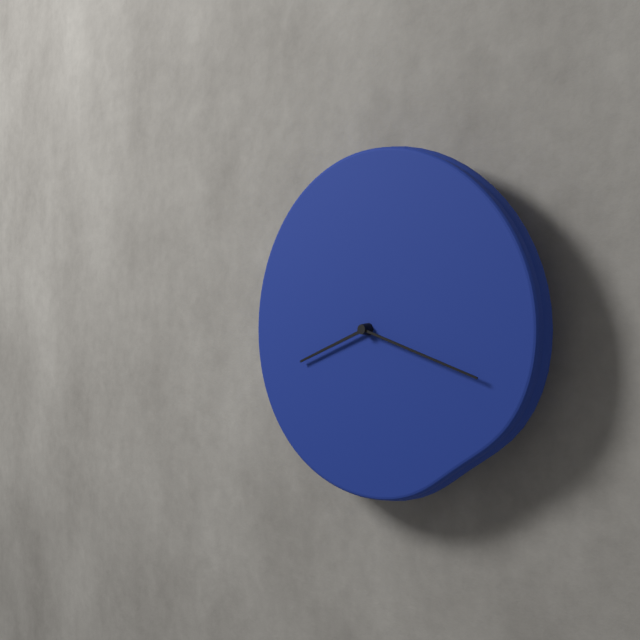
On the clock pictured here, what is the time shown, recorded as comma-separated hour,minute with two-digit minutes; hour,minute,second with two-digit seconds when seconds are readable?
8,18
